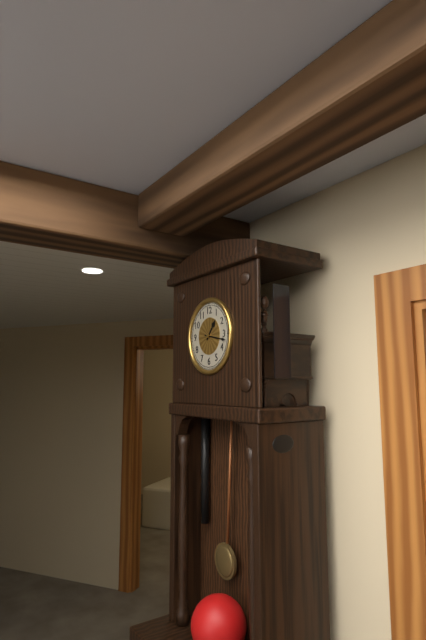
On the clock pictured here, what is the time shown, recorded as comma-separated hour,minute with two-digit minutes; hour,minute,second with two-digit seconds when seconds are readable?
1,17
